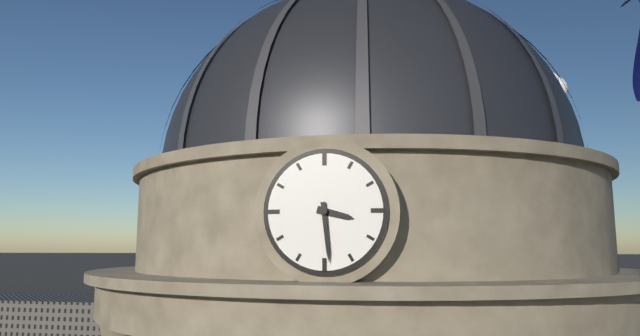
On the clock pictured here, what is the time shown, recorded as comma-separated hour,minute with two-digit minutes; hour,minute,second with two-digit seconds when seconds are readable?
3,29
